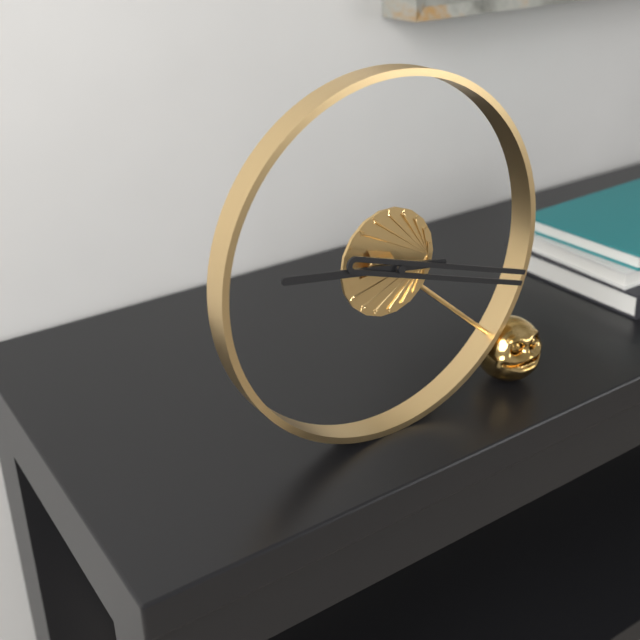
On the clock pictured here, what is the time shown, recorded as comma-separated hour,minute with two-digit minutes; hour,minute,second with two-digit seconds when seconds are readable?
9,18
